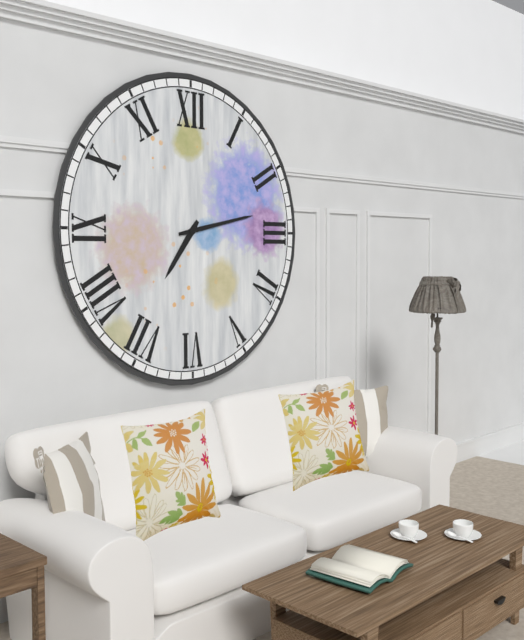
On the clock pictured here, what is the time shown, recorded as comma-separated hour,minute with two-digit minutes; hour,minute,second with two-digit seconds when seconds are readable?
7,13
